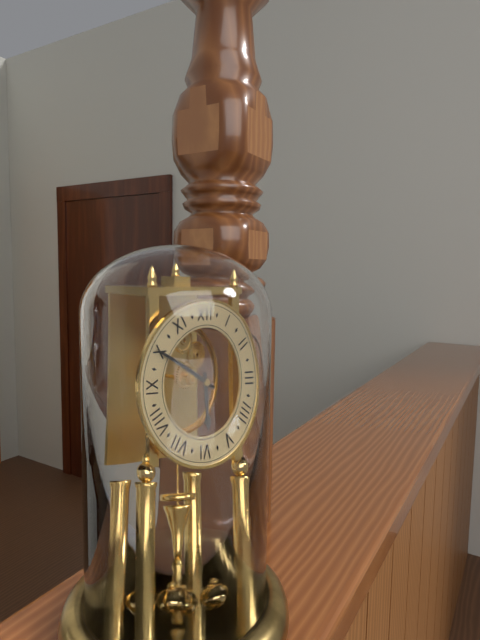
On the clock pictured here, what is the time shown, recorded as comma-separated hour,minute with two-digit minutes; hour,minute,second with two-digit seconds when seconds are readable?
5,50
